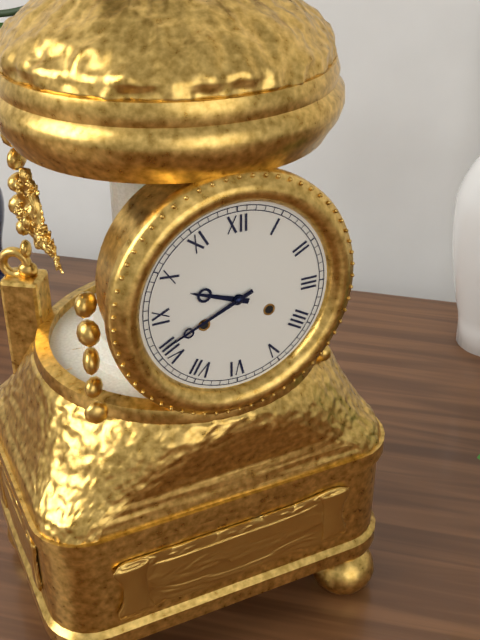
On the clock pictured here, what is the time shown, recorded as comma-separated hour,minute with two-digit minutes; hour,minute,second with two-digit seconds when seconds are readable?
9,41
